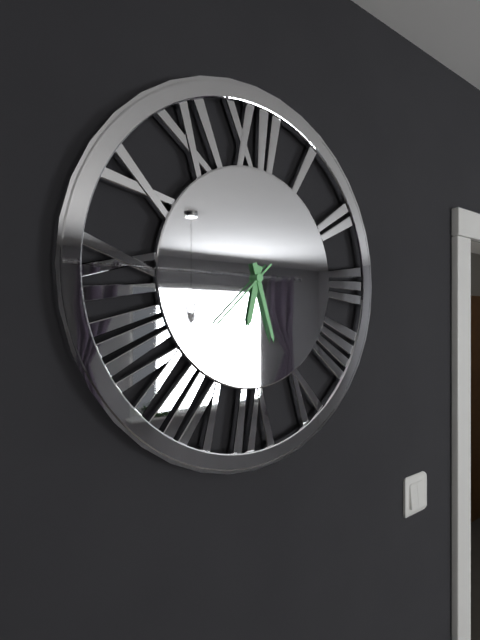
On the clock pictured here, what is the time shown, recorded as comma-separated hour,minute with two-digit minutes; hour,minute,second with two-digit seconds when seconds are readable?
6,27,38
